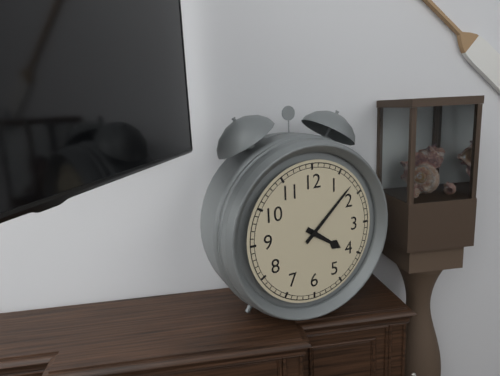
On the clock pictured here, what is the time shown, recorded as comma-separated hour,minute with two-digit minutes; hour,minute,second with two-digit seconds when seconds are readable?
4,08
